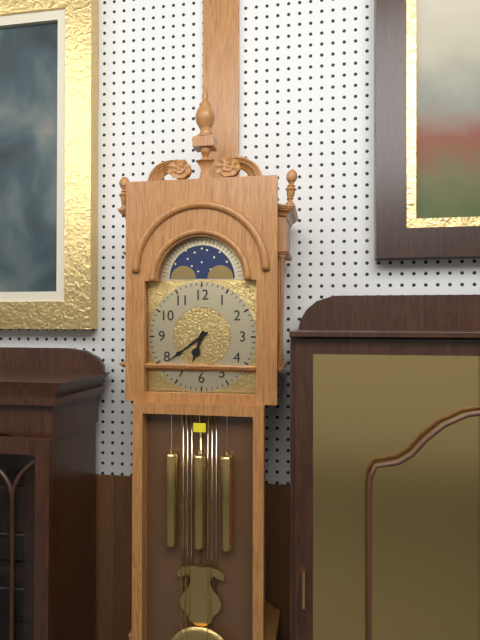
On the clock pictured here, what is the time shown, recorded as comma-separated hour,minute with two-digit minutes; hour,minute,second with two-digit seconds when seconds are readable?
6,39
